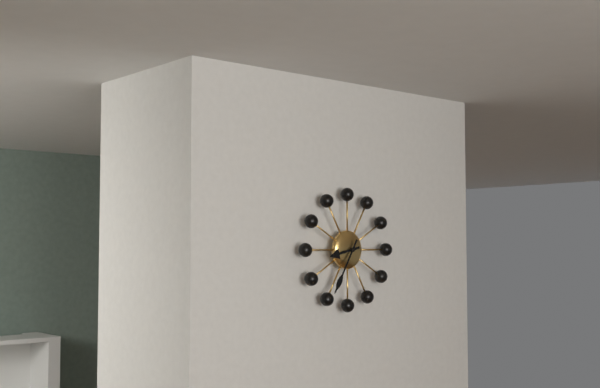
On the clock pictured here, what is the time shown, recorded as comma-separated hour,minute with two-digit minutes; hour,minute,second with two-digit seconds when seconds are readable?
8,35
